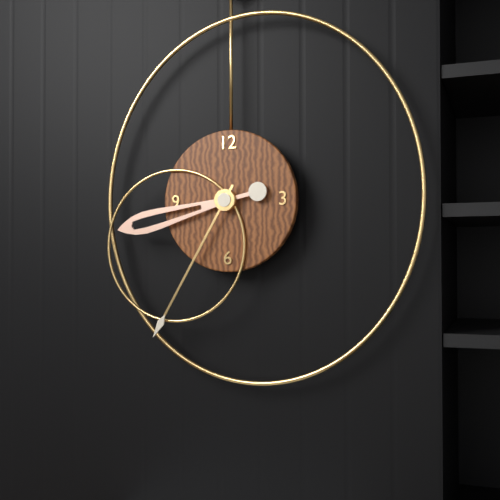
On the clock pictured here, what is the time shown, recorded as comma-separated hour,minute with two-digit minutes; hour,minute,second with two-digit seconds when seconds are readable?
8,35
